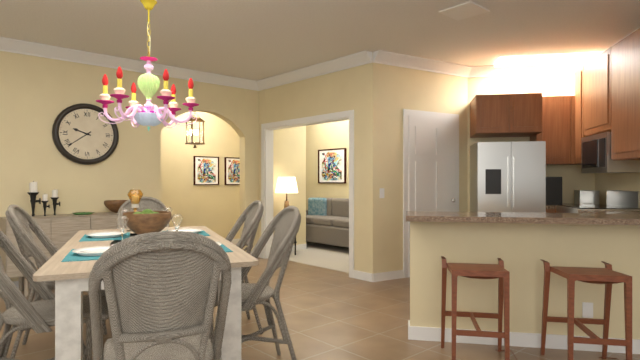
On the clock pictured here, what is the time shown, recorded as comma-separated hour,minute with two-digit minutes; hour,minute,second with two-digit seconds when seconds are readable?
9,39
